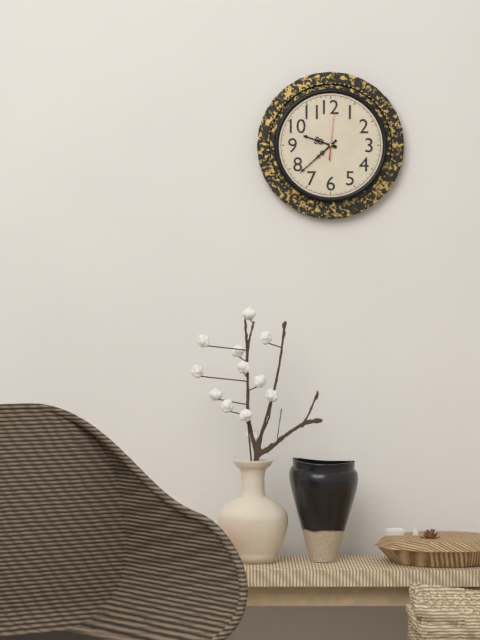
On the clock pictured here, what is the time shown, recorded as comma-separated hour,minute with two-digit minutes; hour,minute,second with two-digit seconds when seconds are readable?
9,38
